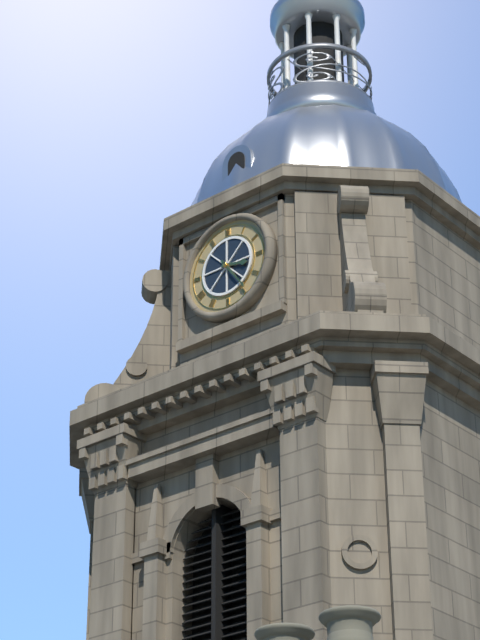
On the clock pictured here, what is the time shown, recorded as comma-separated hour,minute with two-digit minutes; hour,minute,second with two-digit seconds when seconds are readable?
3,24
